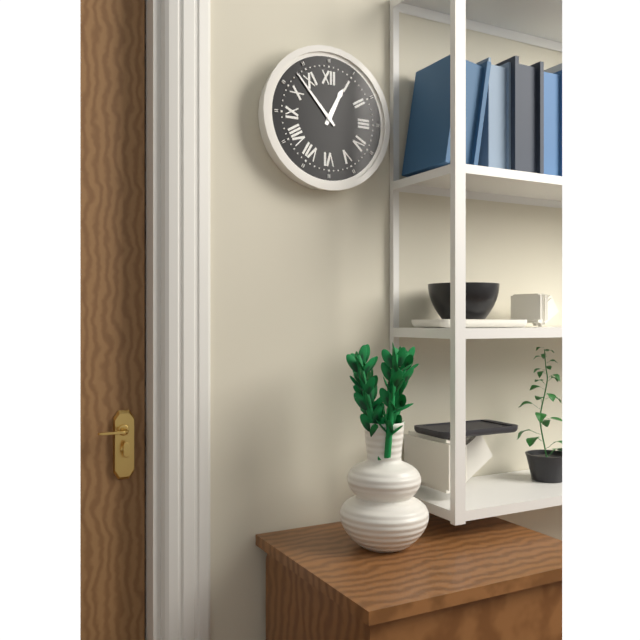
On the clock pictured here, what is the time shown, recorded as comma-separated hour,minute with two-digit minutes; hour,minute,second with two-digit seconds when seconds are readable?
12,53
